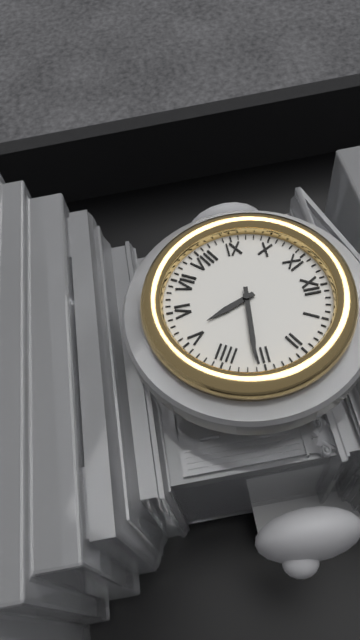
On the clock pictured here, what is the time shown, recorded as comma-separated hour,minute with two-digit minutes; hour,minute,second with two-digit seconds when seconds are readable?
5,16
